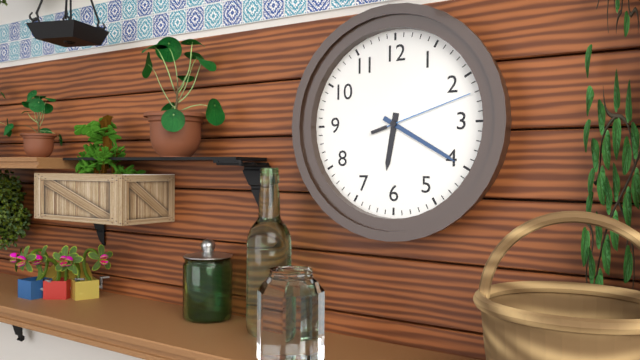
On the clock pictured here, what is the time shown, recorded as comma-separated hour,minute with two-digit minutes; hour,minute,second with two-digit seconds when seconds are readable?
6,20,12
